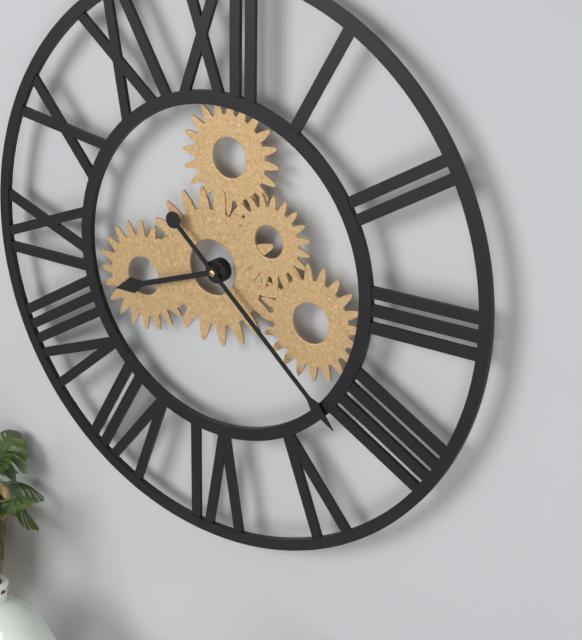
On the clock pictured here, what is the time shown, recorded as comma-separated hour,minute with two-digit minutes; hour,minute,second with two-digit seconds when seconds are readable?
8,22
